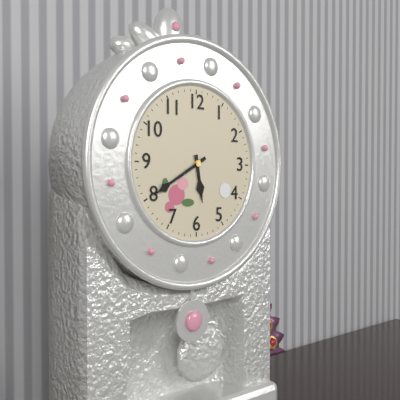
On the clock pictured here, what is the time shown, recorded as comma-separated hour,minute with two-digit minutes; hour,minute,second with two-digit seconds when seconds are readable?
5,40
